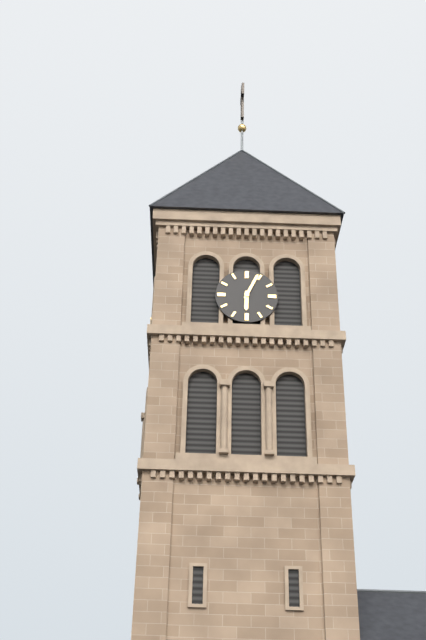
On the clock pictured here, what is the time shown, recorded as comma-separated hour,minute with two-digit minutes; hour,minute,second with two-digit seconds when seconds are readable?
6,04
